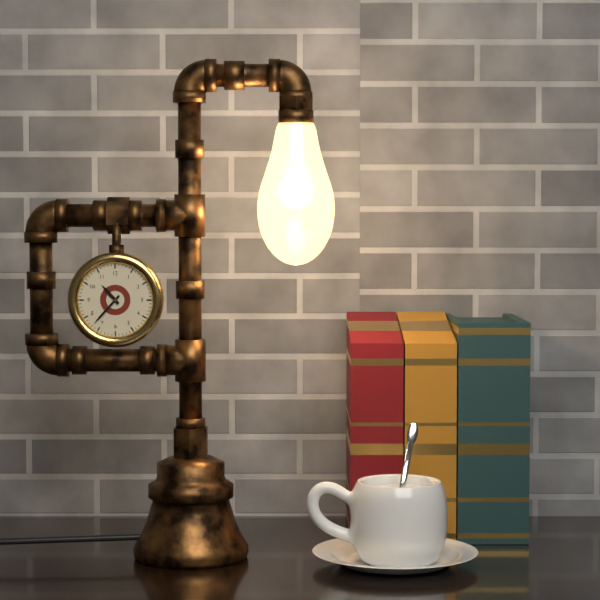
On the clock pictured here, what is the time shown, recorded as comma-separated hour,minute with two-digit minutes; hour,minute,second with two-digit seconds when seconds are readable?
10,37
